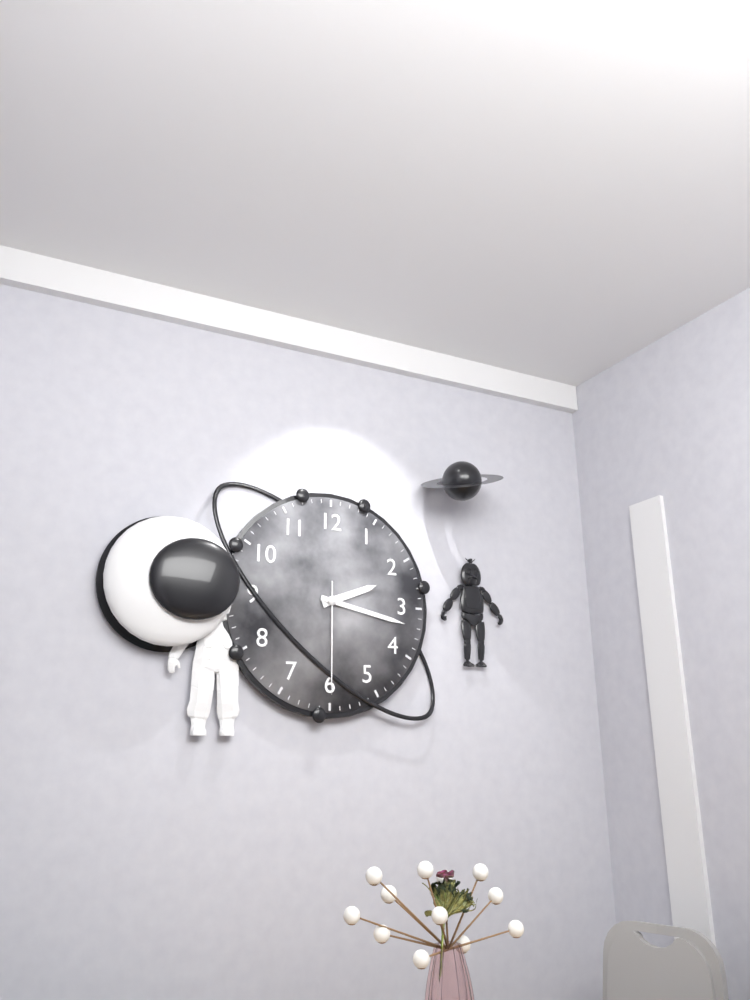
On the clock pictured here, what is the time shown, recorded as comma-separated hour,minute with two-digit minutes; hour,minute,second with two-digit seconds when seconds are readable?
2,17,30
